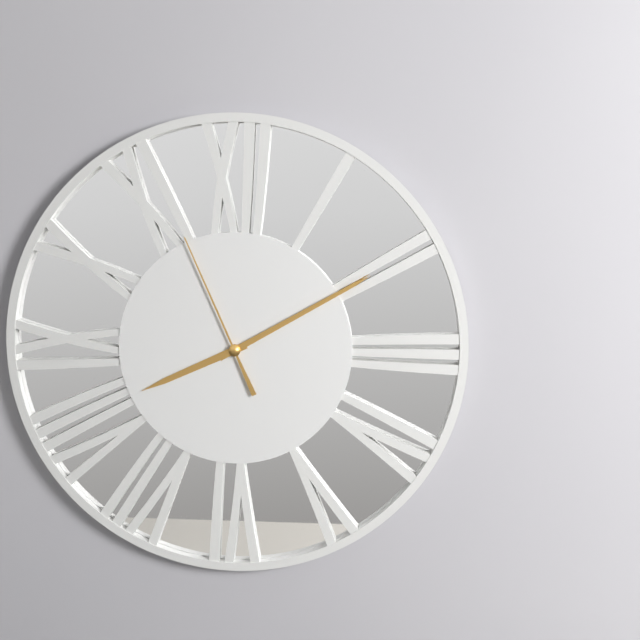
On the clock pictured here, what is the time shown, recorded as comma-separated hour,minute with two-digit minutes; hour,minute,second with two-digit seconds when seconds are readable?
8,10,56
